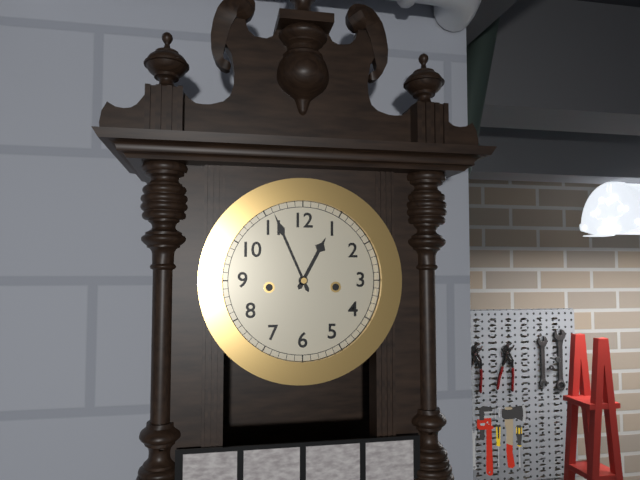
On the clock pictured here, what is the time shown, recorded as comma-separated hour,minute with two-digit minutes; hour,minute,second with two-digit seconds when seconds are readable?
12,56
